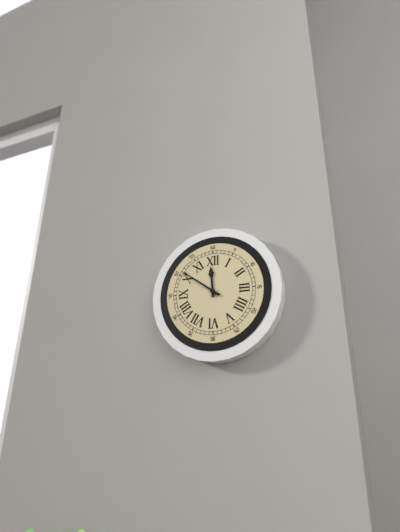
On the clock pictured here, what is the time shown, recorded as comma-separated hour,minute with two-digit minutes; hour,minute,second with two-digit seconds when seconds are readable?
11,51
